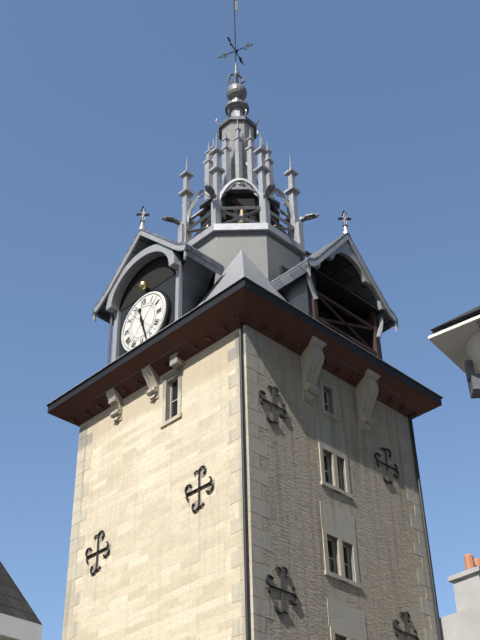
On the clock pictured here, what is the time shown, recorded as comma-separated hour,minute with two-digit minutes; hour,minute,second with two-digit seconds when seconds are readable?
11,27
